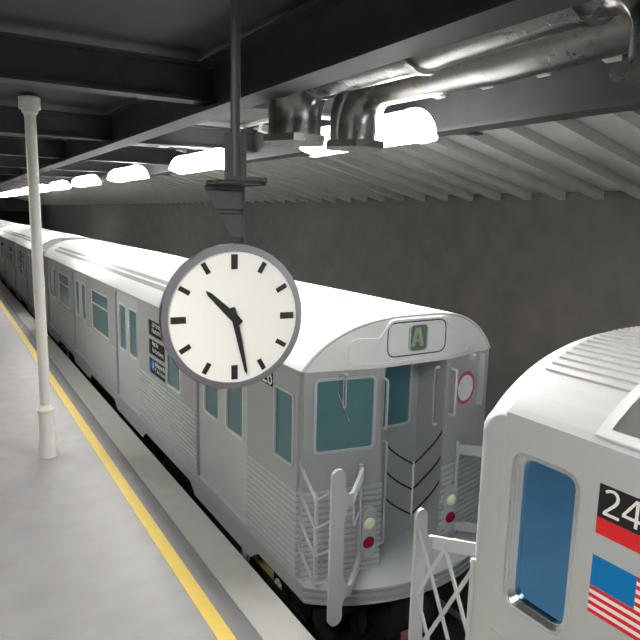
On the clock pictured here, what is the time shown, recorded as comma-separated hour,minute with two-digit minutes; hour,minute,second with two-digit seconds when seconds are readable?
10,28
